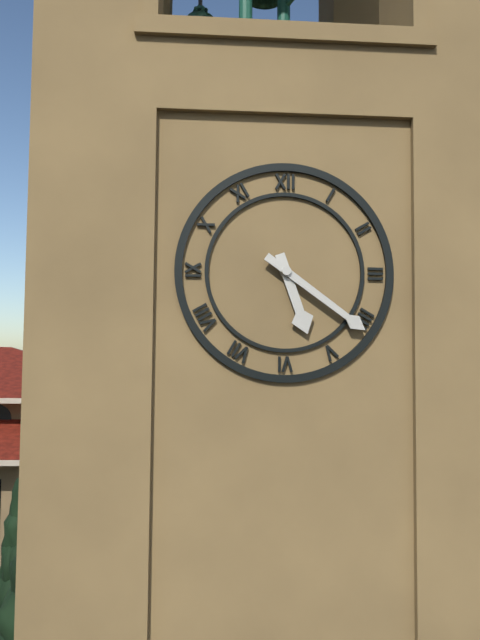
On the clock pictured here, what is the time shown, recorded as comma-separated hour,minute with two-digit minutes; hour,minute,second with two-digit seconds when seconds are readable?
5,21
